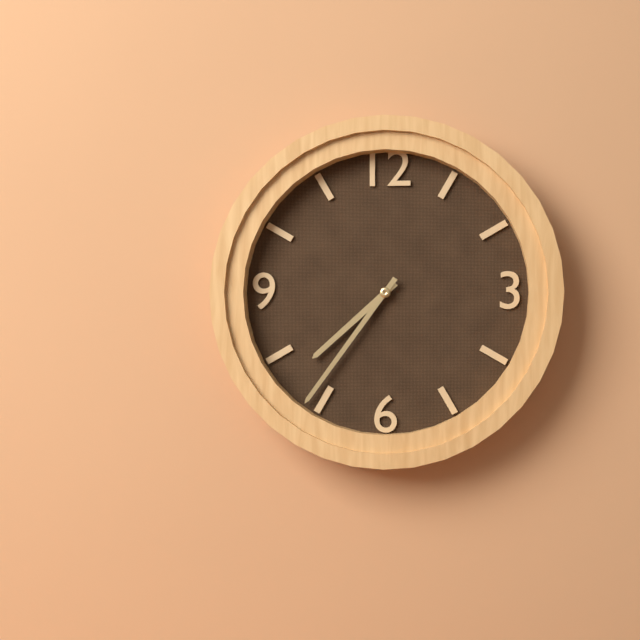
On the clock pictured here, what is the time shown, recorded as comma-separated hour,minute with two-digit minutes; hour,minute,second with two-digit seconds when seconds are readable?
7,36
